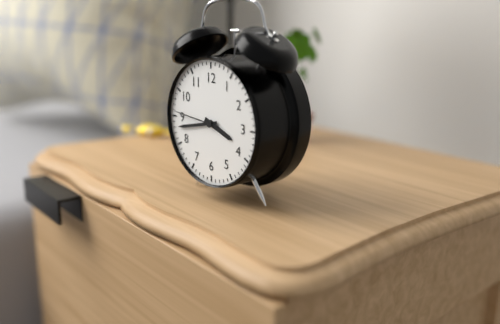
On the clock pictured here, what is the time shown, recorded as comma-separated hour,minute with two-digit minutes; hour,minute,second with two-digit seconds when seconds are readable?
3,43
